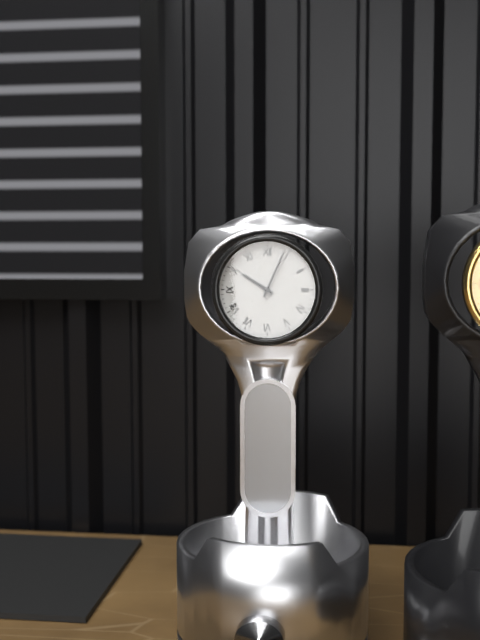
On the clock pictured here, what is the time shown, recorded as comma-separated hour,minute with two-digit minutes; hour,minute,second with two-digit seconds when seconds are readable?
10,04
